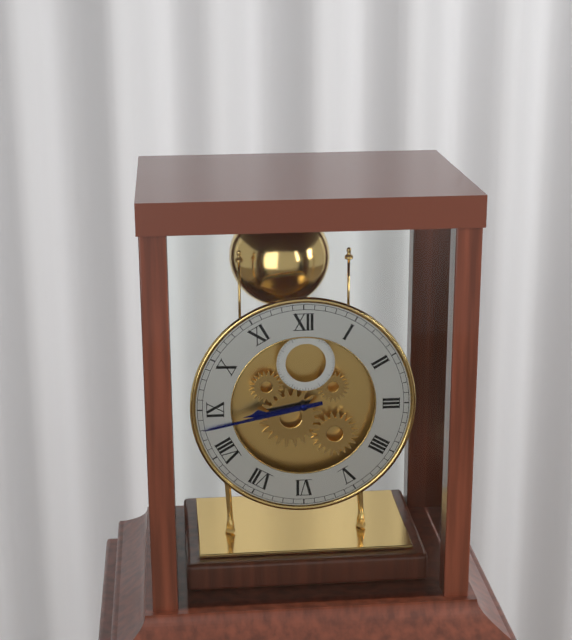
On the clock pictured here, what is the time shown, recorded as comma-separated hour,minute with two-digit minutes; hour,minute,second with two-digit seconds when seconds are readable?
8,43
